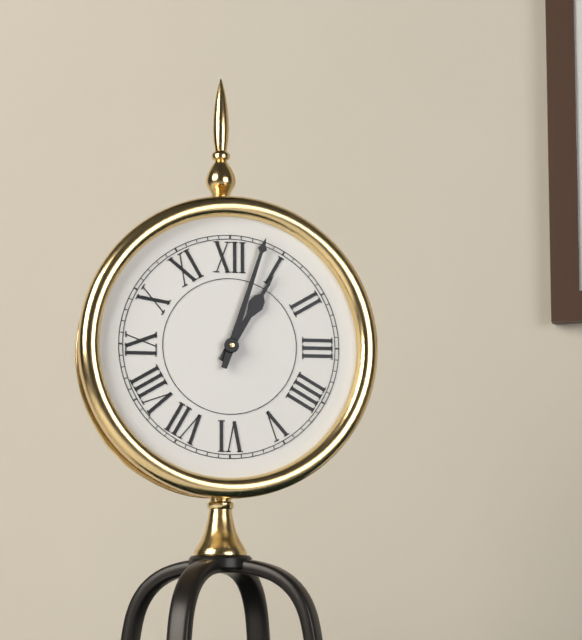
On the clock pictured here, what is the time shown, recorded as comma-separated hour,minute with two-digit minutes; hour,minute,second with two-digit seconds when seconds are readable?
1,03
